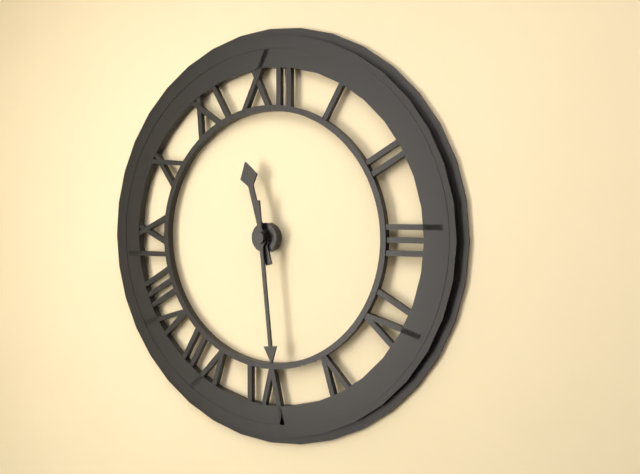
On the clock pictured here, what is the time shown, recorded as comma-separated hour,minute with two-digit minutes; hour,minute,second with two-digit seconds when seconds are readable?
11,29
